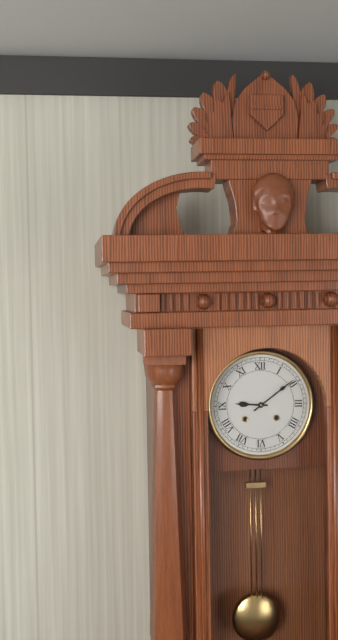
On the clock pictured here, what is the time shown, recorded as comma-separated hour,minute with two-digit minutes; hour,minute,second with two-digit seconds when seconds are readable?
9,09
